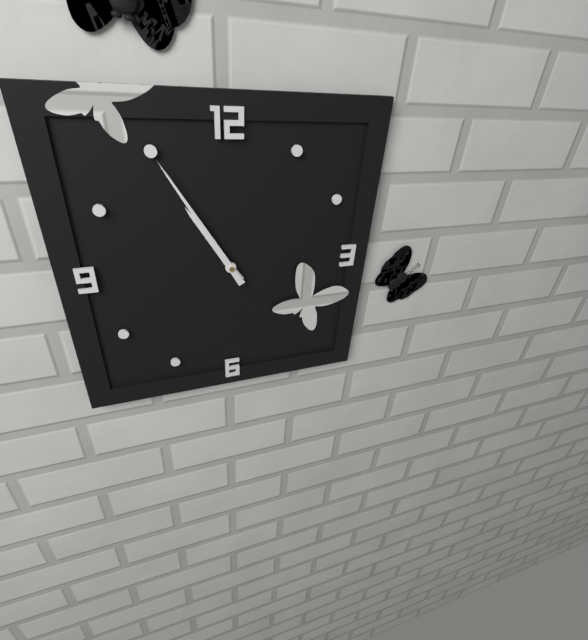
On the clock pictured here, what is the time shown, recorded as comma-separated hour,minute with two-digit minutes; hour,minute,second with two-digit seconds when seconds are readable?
10,55
